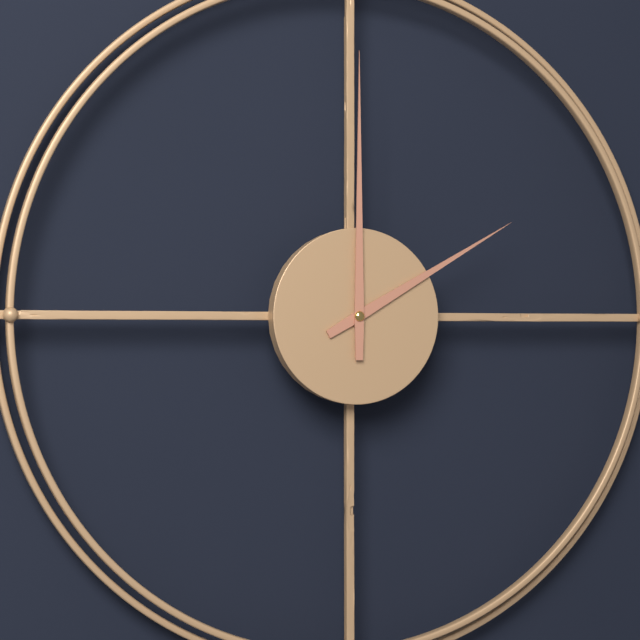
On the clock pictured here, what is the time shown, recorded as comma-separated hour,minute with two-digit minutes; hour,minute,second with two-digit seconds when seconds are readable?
2,00
